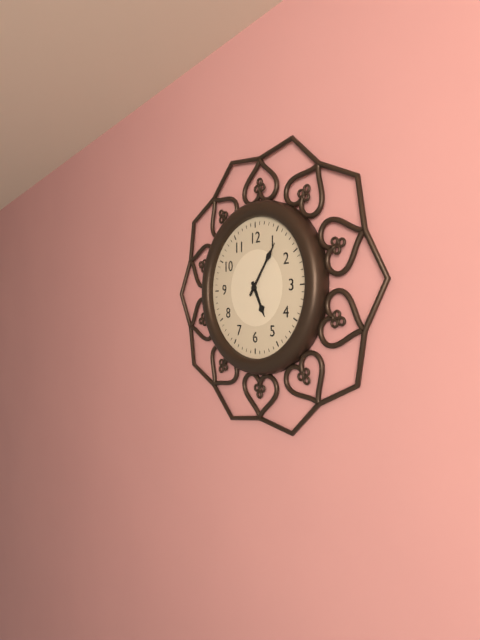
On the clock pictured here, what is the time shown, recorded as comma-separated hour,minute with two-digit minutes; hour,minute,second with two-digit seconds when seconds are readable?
5,06
